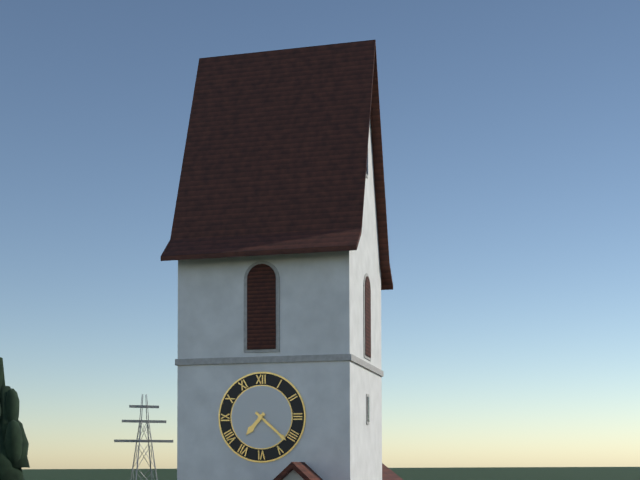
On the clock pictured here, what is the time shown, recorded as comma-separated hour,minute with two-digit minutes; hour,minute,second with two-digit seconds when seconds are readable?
7,22
